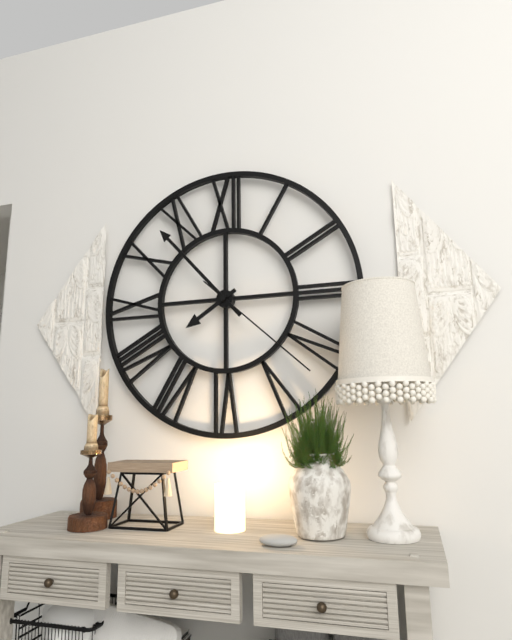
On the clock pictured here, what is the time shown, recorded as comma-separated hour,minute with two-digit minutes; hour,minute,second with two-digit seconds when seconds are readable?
7,53,22
